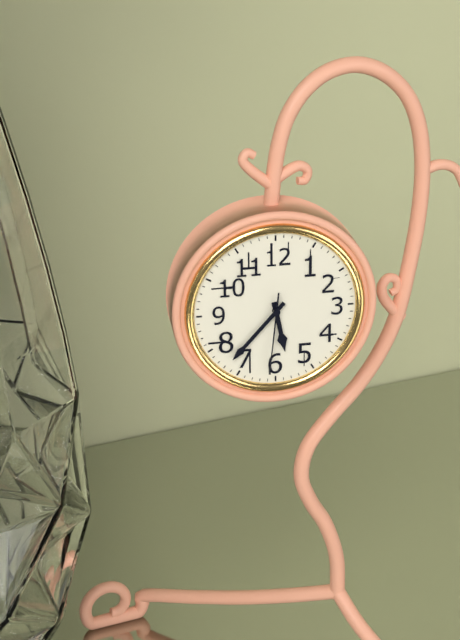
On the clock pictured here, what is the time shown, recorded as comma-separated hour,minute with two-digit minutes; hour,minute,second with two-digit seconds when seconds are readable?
5,37,31
